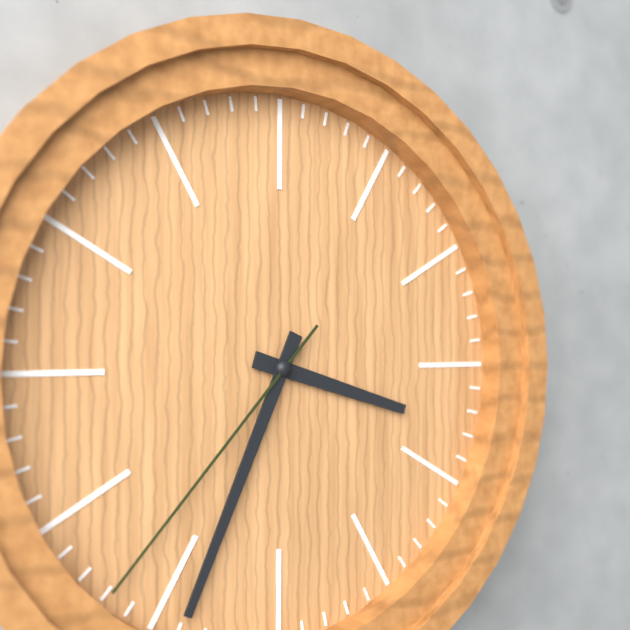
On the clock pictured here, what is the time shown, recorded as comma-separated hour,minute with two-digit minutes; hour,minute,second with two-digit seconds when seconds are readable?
3,34,37
